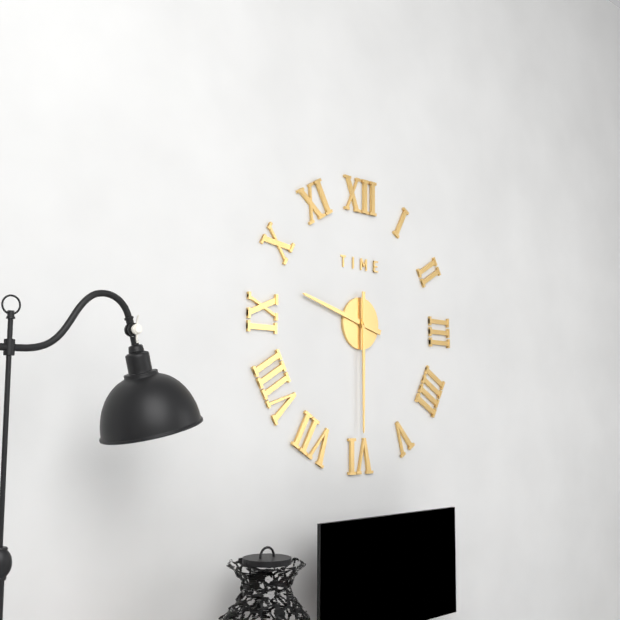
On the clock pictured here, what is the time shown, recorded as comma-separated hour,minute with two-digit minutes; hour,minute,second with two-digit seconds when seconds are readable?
9,30
